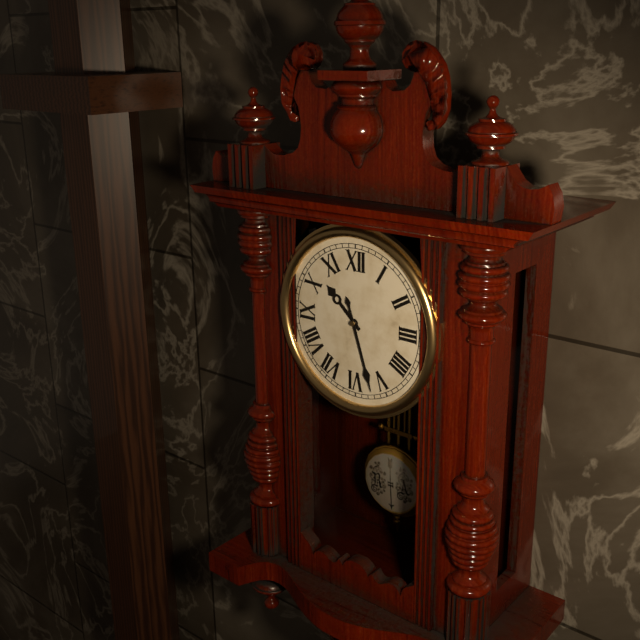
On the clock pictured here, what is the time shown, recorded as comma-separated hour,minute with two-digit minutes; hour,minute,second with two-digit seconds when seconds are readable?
10,27
